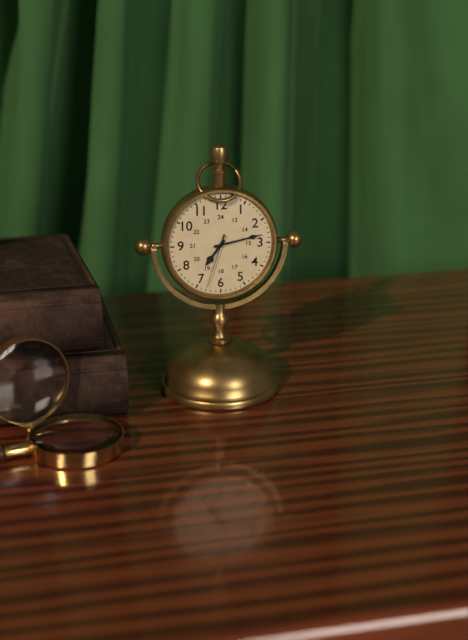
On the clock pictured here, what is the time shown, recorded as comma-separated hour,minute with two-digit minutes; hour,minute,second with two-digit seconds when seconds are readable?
7,13,33
